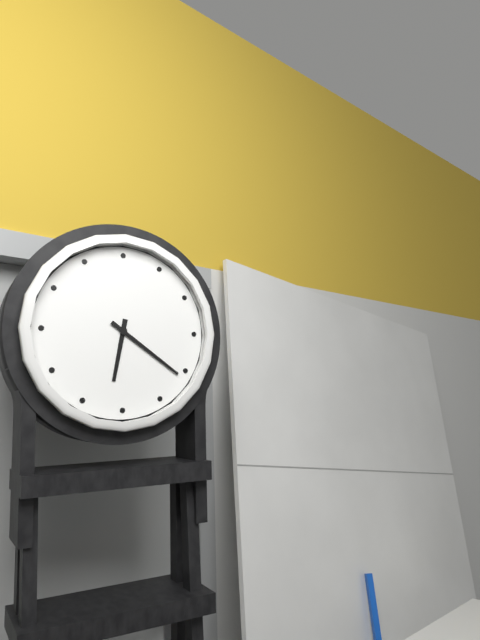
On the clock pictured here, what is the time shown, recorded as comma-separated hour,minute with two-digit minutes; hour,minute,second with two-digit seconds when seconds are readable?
6,21
